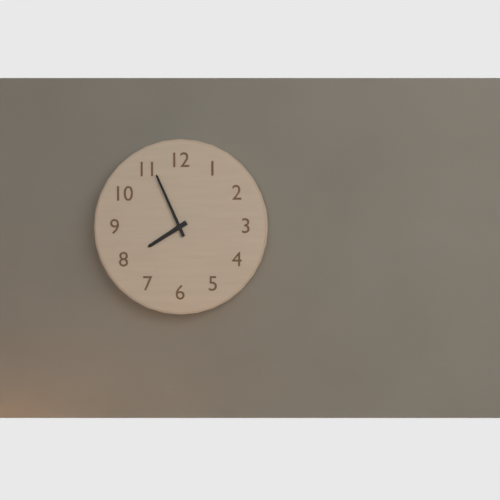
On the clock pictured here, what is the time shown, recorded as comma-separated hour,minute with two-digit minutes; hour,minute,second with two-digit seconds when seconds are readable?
7,56
